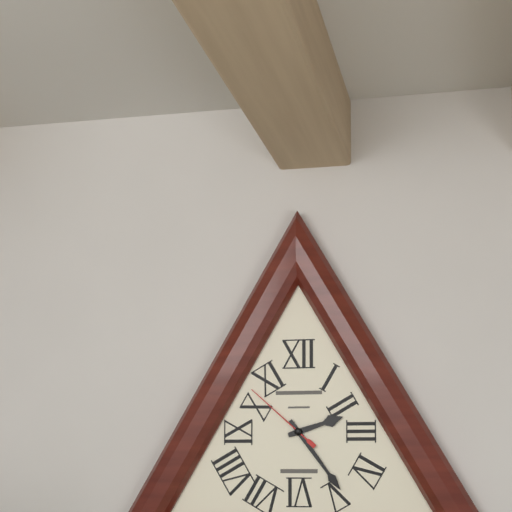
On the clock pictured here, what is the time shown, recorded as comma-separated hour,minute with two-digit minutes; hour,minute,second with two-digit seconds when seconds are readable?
2,24,52
